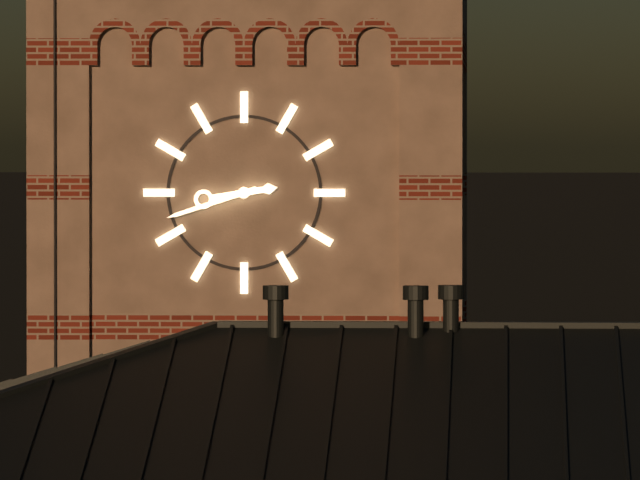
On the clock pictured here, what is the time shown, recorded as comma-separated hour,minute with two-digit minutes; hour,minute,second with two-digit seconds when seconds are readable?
2,42
